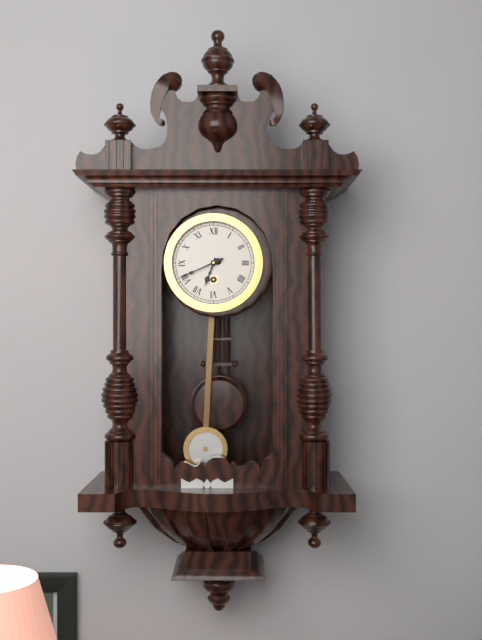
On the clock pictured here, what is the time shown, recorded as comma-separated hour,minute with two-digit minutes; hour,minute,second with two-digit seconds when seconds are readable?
6,41
